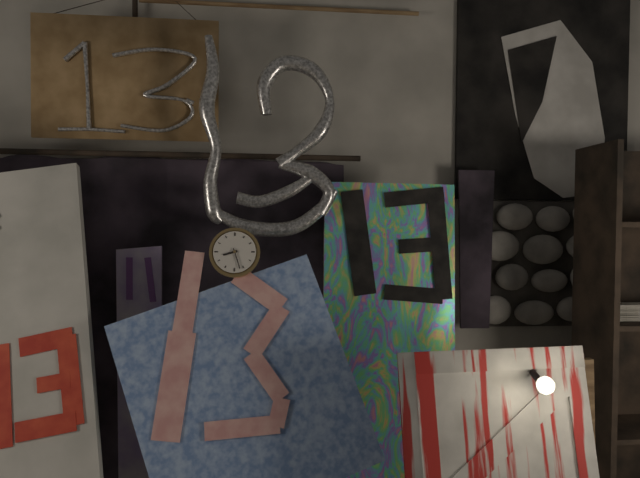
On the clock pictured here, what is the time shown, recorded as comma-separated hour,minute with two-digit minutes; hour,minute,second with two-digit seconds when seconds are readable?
8,27
